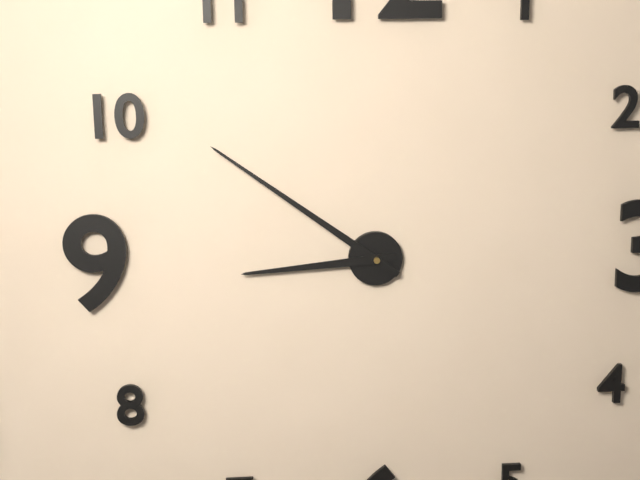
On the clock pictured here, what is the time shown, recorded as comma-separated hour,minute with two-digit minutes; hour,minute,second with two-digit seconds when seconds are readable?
8,51
